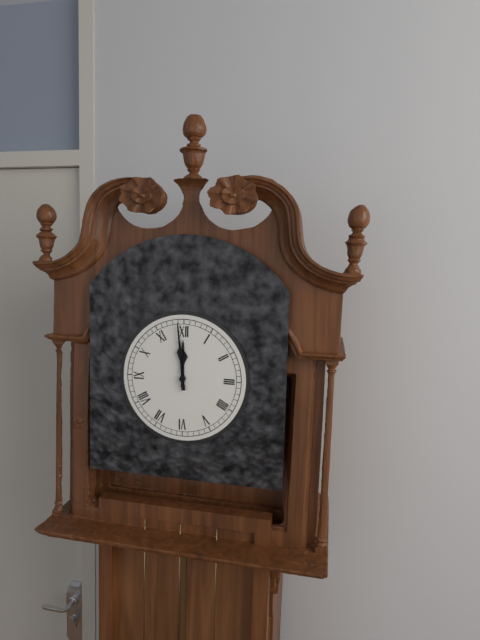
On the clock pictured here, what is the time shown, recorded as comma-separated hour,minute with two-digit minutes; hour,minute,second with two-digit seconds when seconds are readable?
11,59
